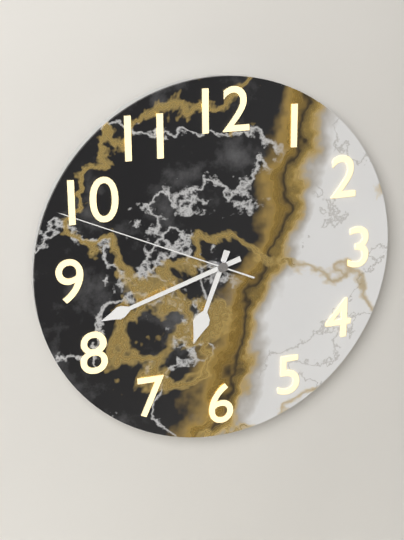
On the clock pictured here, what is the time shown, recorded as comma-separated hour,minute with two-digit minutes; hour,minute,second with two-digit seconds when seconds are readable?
6,42,49
